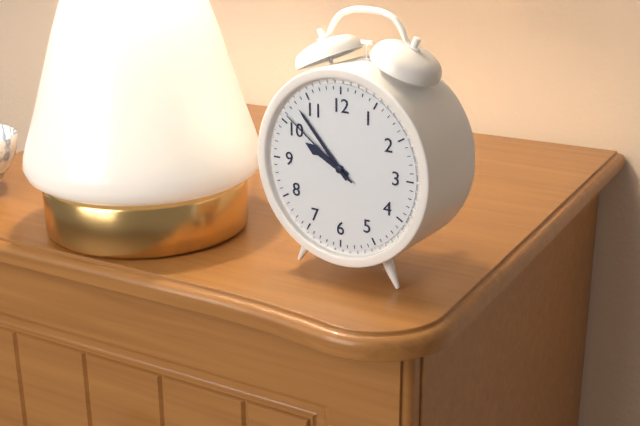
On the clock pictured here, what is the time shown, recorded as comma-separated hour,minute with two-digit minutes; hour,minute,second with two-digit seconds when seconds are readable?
9,53,51
